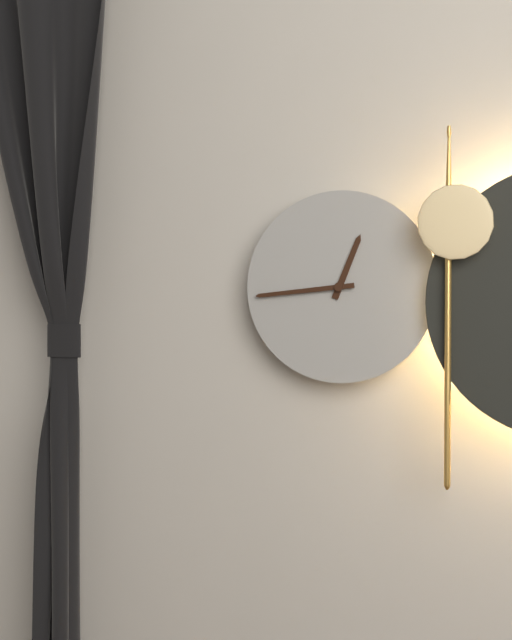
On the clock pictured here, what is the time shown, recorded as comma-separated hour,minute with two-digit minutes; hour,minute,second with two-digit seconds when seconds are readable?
12,44
